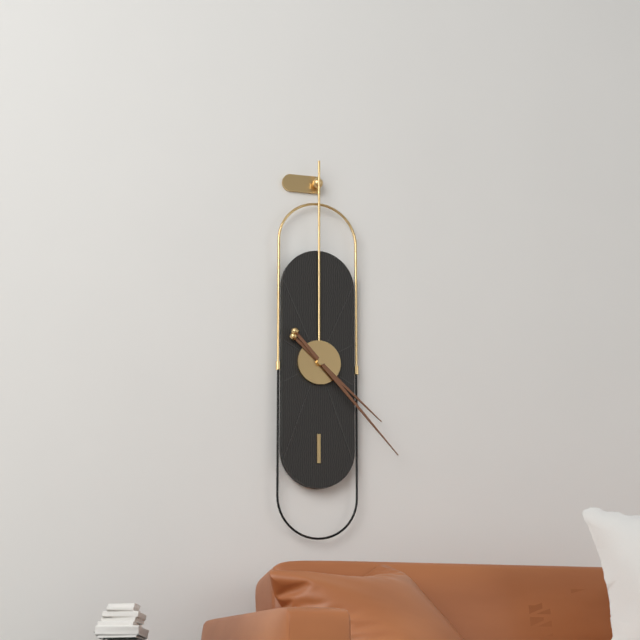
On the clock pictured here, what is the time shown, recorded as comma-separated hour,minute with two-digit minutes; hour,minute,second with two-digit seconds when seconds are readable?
4,23
